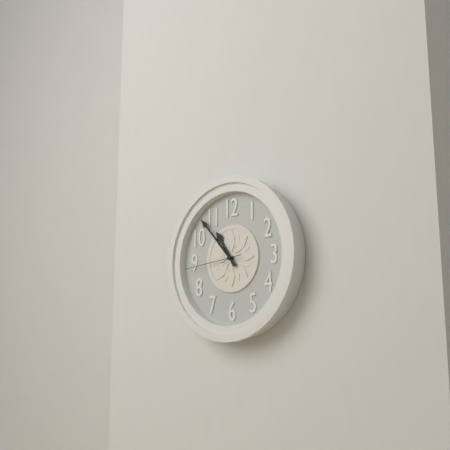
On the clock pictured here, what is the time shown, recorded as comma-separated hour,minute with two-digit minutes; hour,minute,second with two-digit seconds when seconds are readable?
10,53,44
